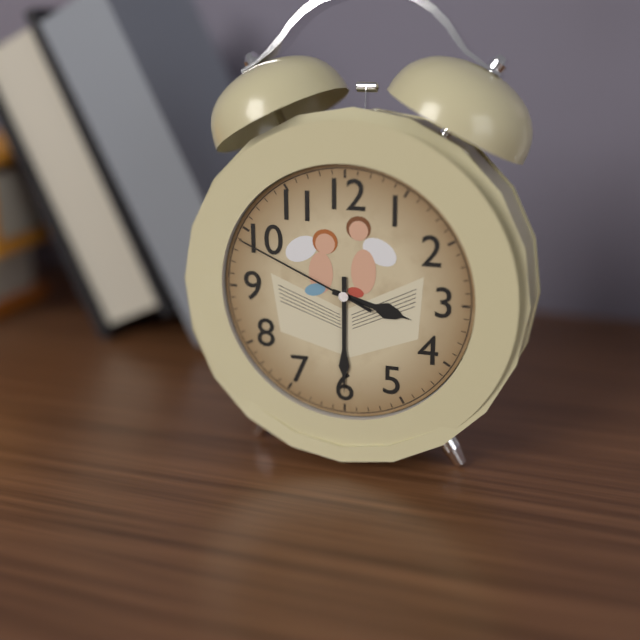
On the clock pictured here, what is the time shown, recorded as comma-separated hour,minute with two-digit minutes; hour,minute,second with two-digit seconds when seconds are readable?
3,30,49
